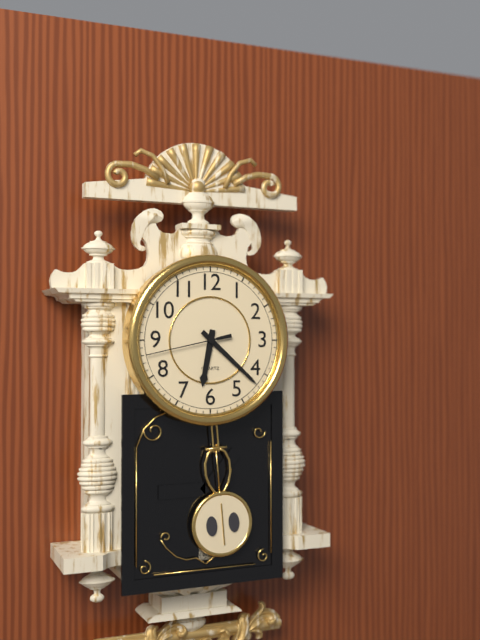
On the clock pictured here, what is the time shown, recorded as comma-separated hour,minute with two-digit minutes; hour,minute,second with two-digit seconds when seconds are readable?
6,22,43
